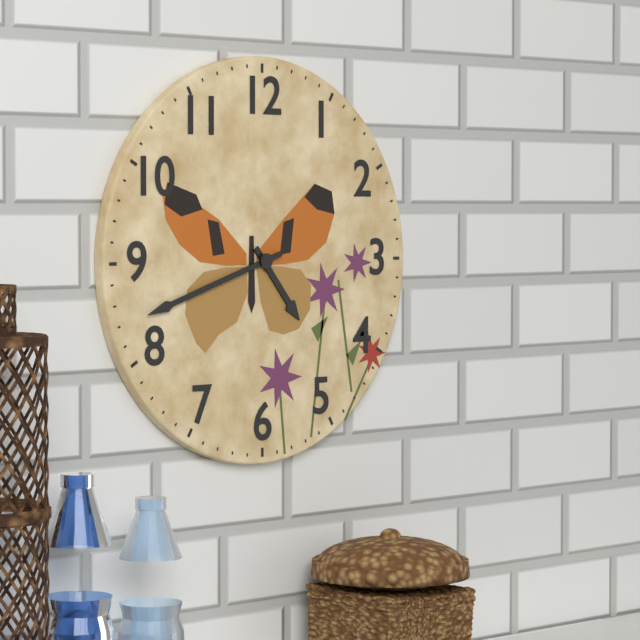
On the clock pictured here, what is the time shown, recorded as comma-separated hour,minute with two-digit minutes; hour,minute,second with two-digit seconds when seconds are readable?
4,42
